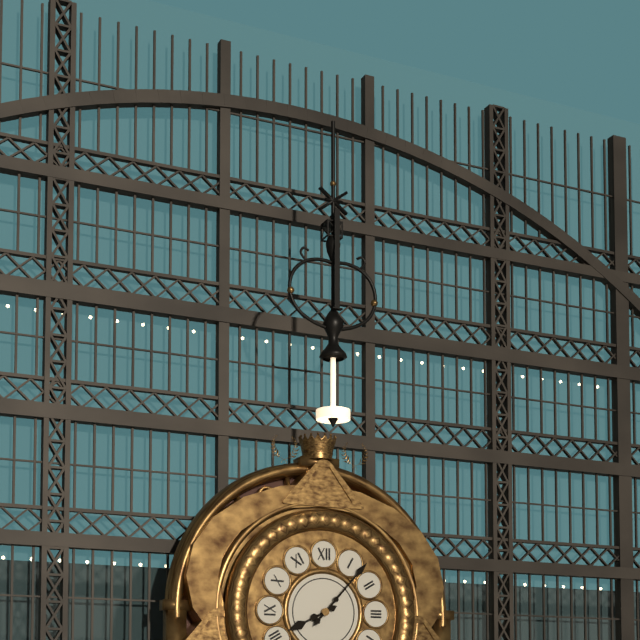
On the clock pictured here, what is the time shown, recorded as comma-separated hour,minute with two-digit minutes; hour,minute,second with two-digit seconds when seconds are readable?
8,07
